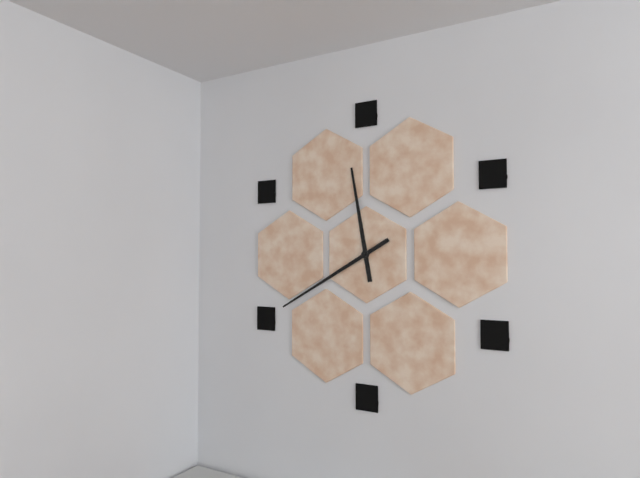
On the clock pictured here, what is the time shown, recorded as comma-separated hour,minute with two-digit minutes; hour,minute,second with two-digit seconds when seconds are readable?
11,40
